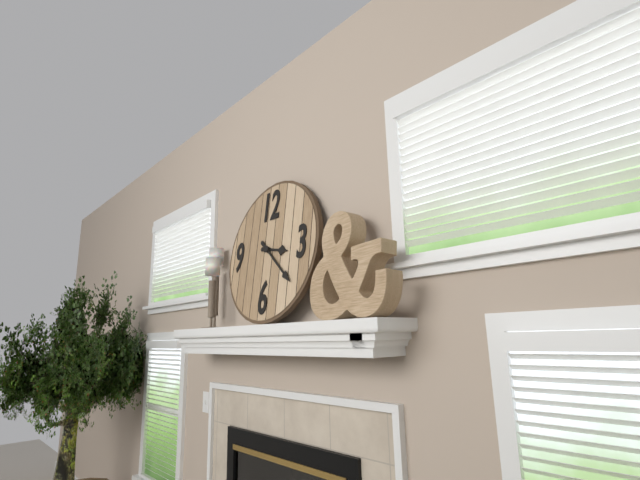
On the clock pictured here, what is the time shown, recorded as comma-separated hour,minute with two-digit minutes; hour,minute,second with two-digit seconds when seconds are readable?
3,22
